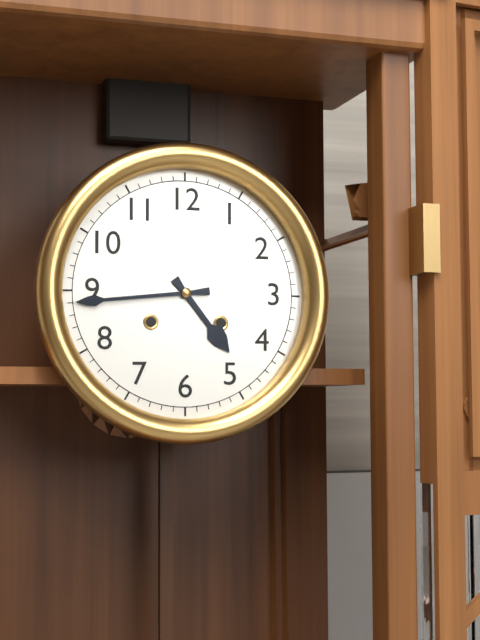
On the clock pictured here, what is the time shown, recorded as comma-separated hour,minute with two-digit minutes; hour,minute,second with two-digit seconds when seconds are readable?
4,44
